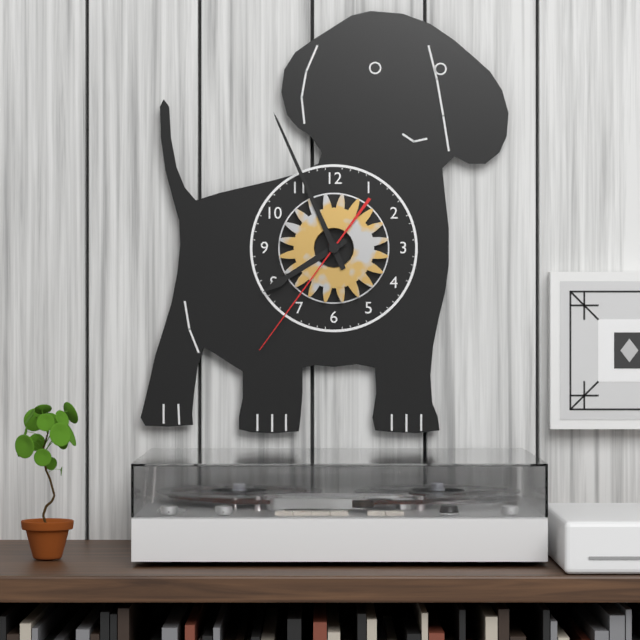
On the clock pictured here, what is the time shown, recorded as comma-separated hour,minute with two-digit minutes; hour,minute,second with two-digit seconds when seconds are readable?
7,56,36
